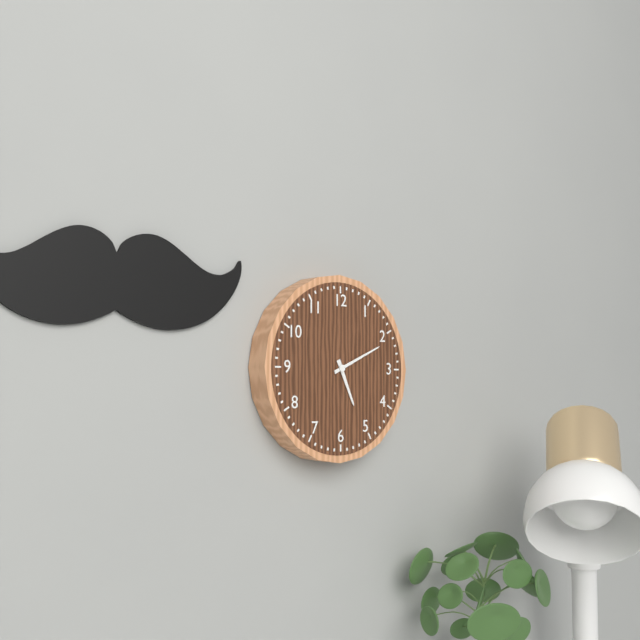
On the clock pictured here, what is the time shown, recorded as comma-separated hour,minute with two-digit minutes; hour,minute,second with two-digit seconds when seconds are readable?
5,11
